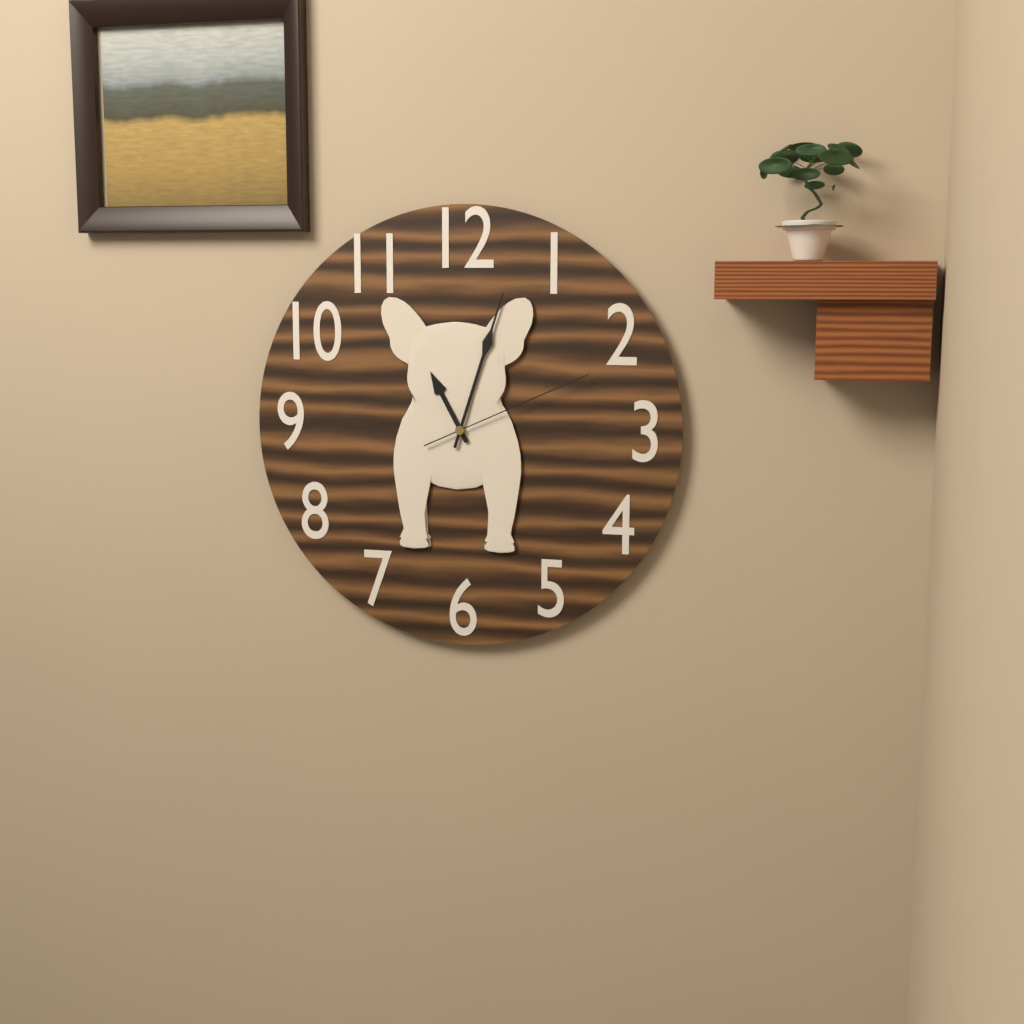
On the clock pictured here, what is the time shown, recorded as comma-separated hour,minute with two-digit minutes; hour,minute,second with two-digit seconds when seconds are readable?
11,03,11
